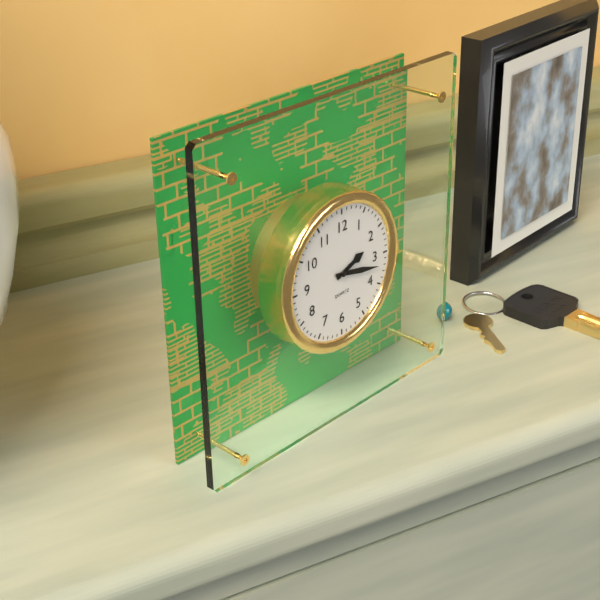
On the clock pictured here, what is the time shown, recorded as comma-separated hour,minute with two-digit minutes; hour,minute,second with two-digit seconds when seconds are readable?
2,17
